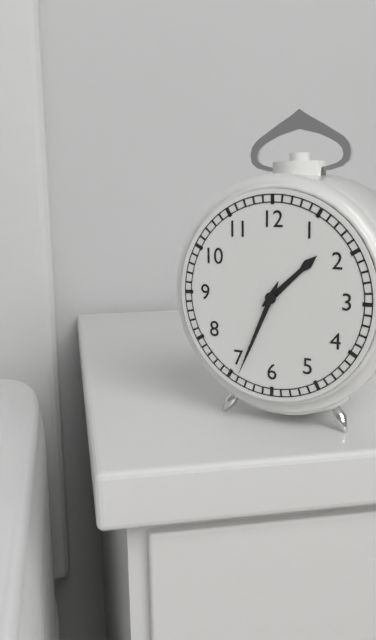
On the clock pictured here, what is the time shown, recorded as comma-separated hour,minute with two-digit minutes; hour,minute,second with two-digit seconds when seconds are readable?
1,34
